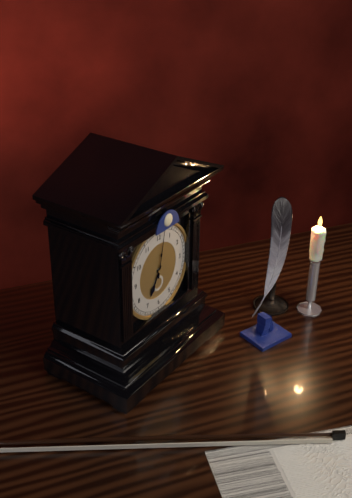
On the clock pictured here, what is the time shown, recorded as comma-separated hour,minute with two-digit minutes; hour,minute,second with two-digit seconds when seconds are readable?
7,02
